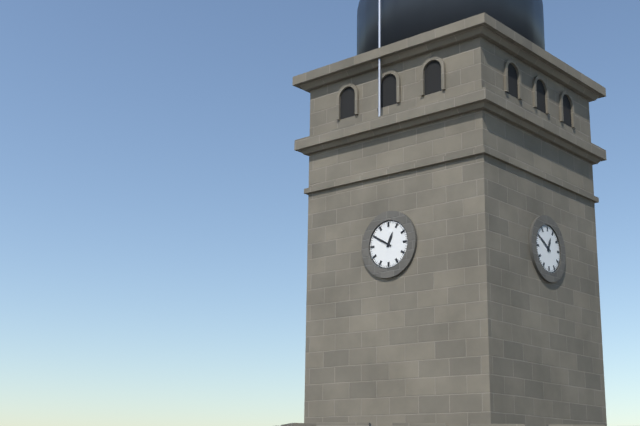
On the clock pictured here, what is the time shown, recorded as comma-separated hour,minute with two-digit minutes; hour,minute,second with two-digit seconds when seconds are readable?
12,50
